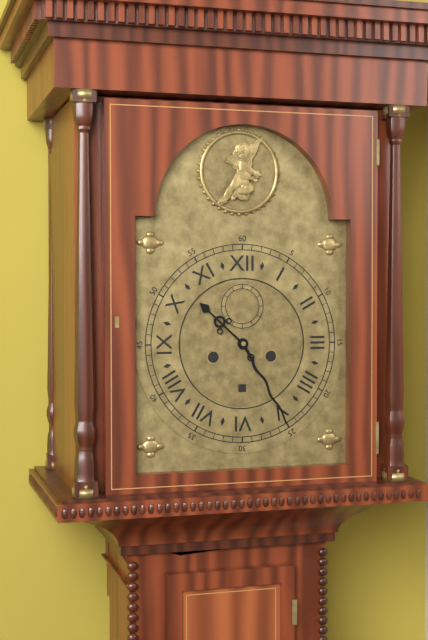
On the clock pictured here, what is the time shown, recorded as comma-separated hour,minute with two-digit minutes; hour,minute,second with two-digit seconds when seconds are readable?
10,25
